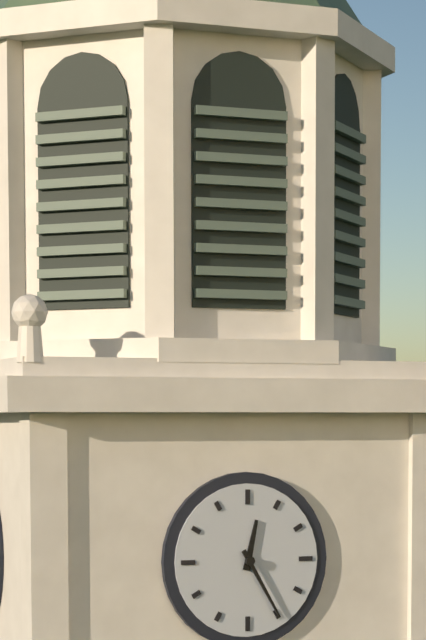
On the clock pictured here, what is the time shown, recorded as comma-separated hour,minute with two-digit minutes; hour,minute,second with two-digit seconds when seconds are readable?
12,25
